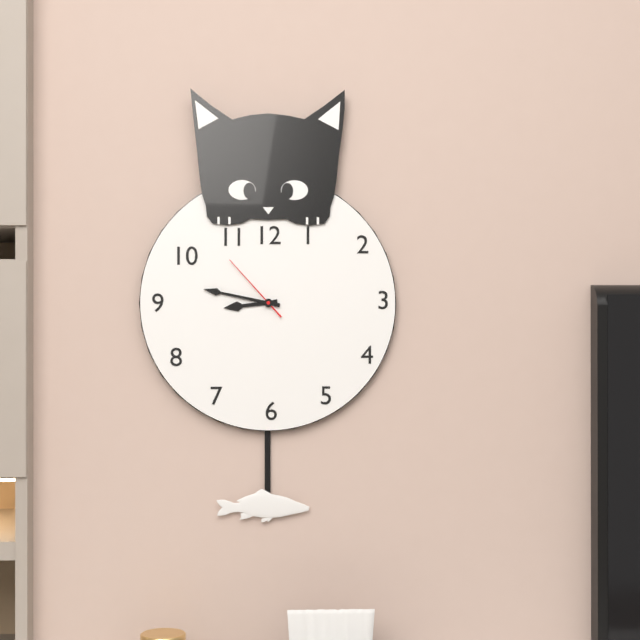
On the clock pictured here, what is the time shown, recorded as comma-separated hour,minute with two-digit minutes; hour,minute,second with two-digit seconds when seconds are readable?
8,47,53
